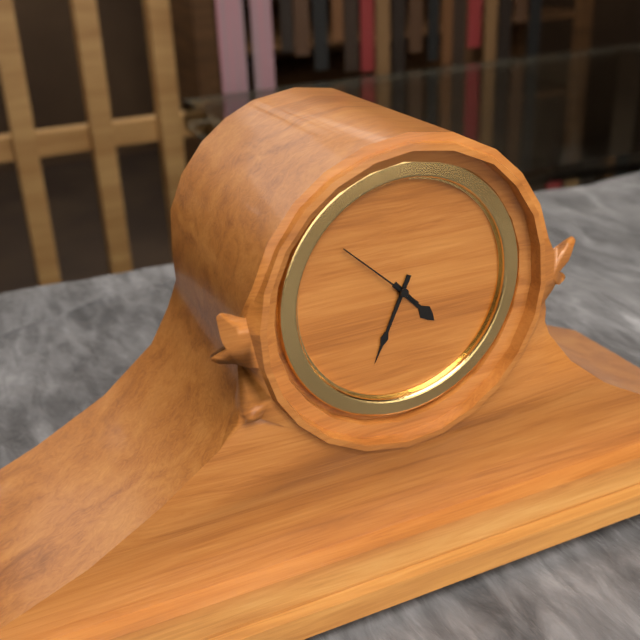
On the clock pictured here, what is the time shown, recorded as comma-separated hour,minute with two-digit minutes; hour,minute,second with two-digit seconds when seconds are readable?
4,34,52
